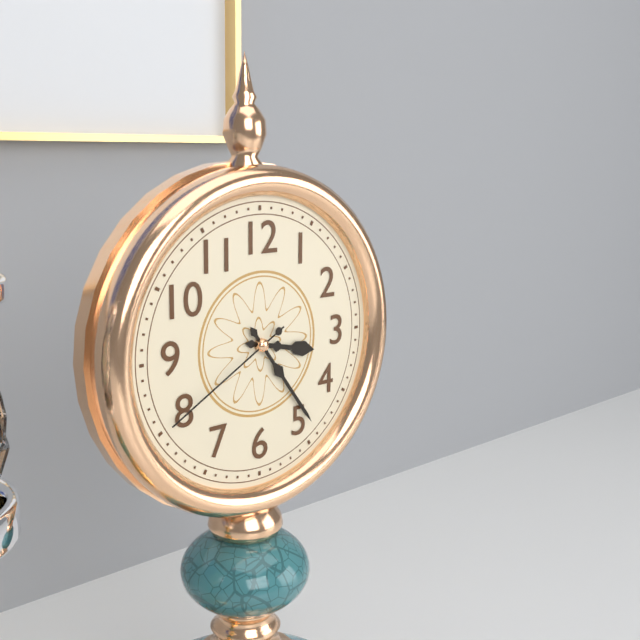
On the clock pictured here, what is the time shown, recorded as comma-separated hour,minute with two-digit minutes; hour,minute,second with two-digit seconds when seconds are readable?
3,24,40
